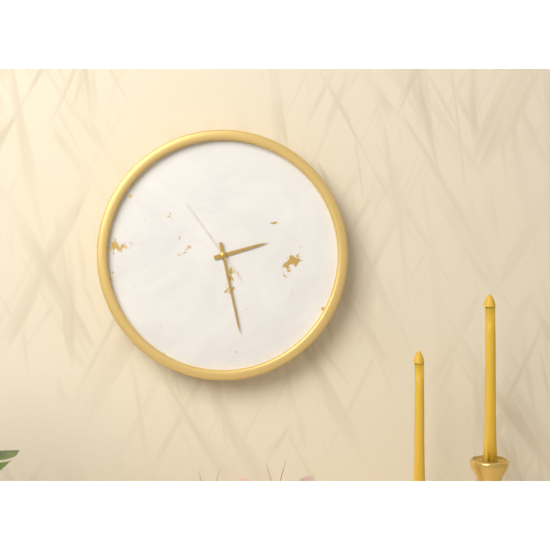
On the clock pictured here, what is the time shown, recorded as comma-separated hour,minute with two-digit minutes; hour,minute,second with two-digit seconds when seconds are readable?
2,28,54
